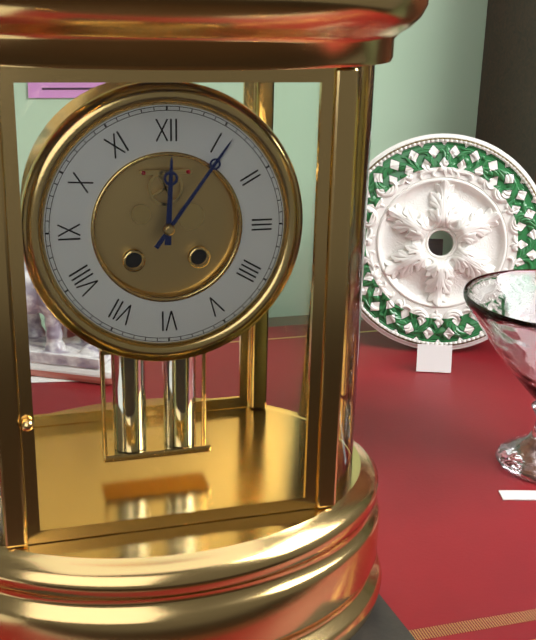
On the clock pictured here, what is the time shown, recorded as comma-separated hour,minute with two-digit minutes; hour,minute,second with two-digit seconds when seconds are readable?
12,06
